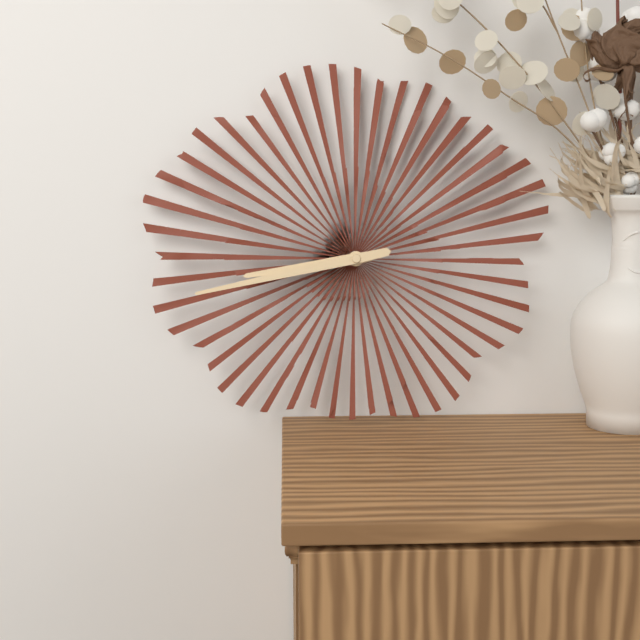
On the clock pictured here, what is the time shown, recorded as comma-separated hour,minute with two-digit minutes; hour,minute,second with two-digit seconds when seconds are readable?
8,43
